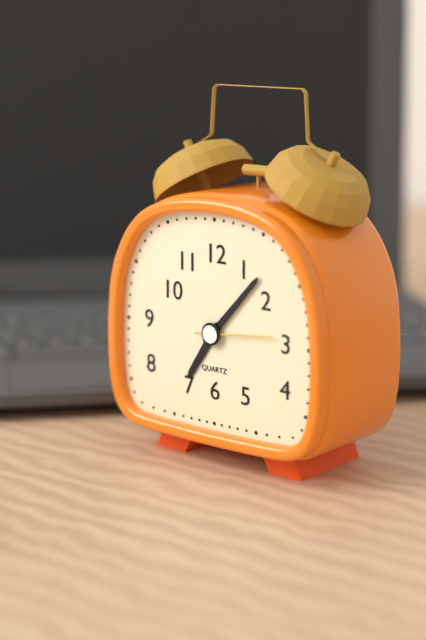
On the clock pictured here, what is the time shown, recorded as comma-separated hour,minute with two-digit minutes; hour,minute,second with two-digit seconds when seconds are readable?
7,07,14
